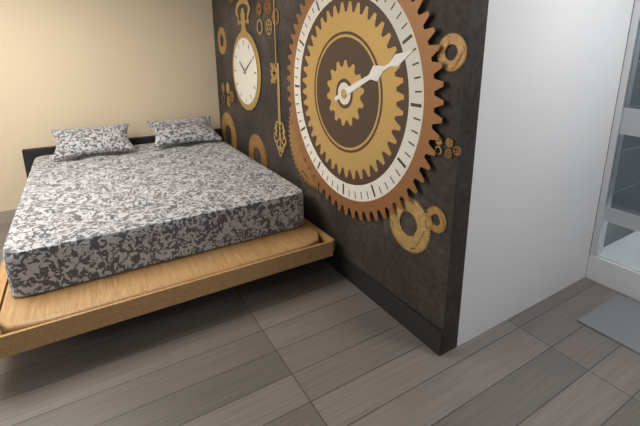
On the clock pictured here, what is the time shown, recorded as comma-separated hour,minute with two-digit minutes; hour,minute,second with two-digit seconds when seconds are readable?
2,11
